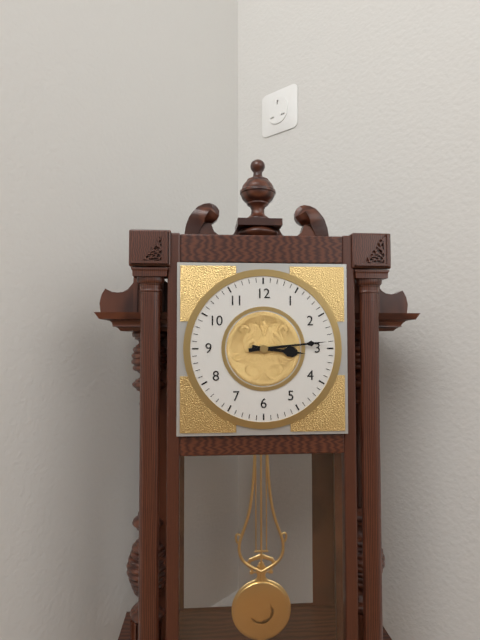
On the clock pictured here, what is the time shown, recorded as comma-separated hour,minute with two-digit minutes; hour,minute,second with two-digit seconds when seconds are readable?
3,14
